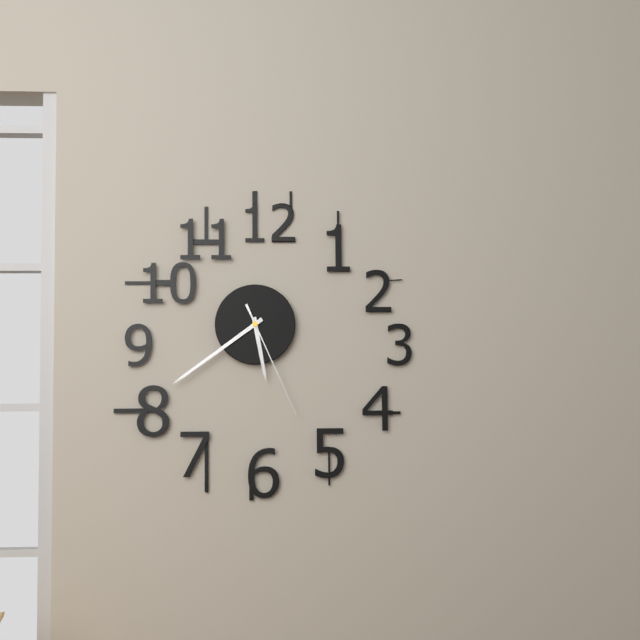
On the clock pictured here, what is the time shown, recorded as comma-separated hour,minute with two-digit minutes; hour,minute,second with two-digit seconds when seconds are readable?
5,39,26
